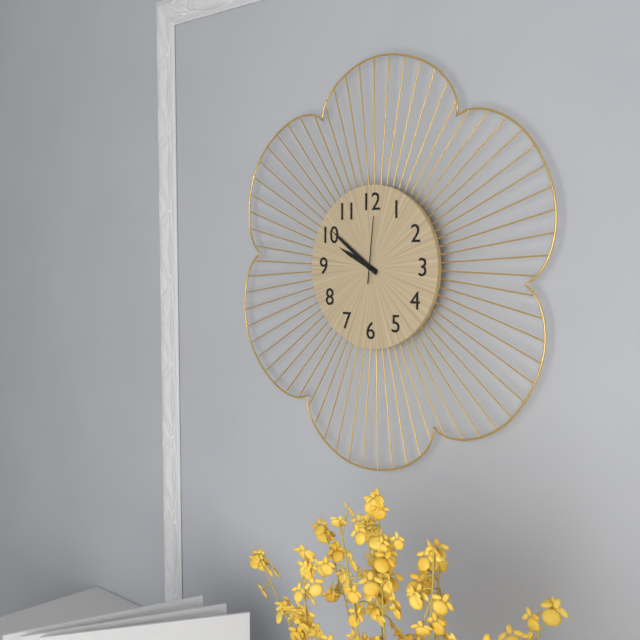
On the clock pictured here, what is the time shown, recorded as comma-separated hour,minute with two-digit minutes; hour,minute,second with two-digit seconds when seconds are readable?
9,51,01
